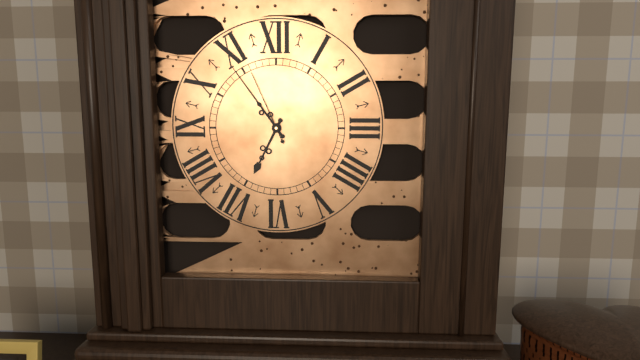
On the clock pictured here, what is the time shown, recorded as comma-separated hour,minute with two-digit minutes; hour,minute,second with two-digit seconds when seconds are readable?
6,54,56
